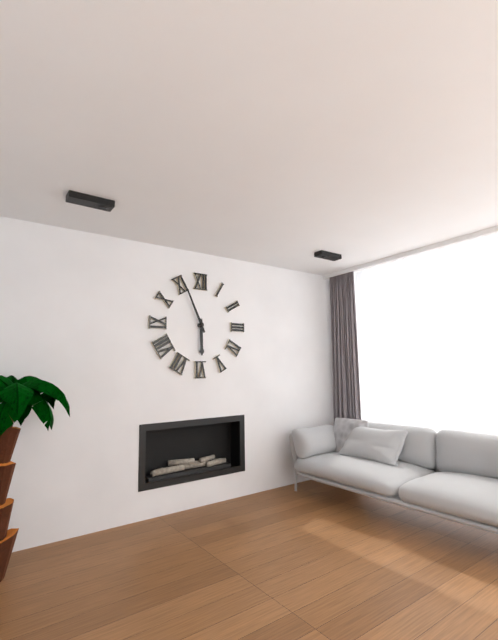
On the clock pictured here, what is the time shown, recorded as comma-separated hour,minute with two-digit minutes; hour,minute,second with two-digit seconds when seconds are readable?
5,56
